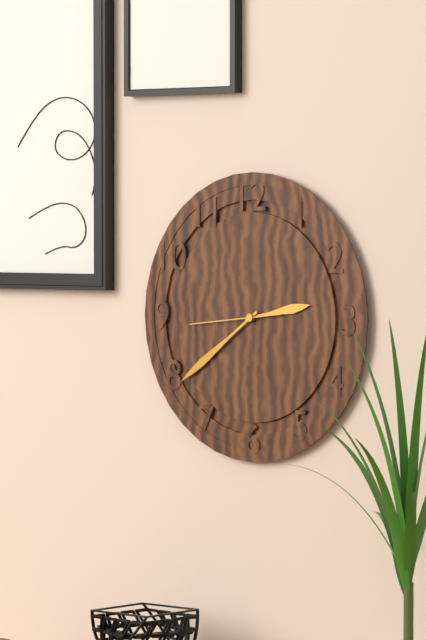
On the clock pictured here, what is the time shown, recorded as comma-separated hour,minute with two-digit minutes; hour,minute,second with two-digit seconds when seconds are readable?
2,39,44
